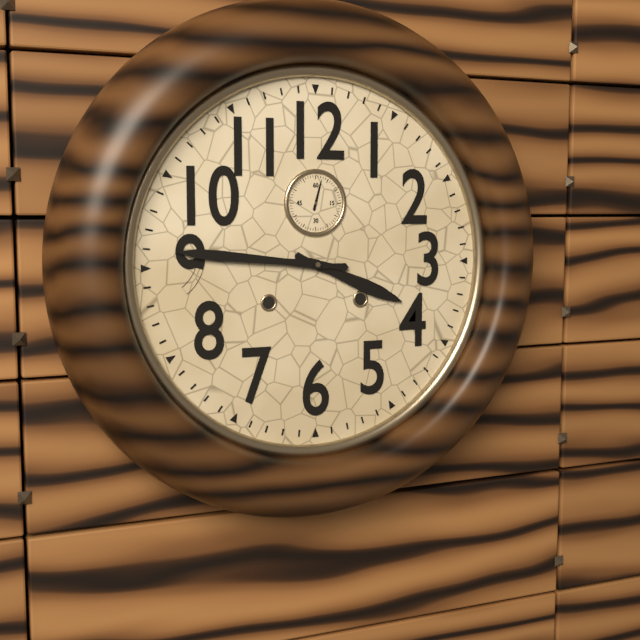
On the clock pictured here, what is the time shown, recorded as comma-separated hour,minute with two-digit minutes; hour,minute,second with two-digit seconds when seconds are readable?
3,46
